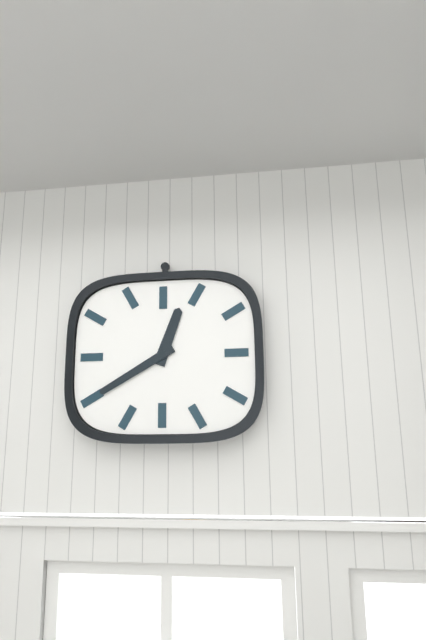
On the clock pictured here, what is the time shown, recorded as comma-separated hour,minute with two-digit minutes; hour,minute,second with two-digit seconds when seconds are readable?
12,40
